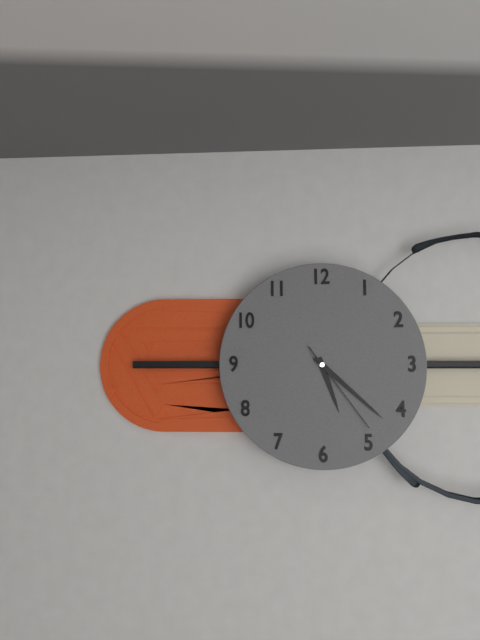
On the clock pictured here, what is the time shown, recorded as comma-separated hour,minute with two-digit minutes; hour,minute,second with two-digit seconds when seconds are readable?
5,22,24
